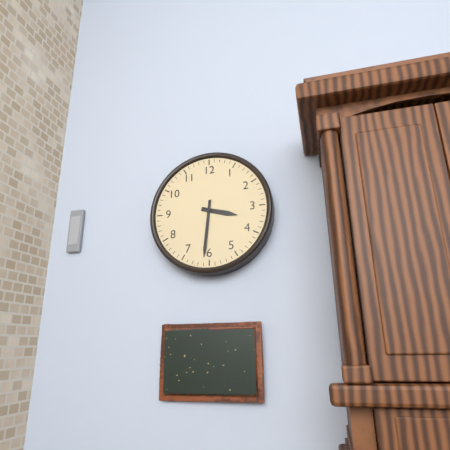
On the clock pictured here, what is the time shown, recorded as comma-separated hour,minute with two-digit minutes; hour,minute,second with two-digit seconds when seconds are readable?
3,31
